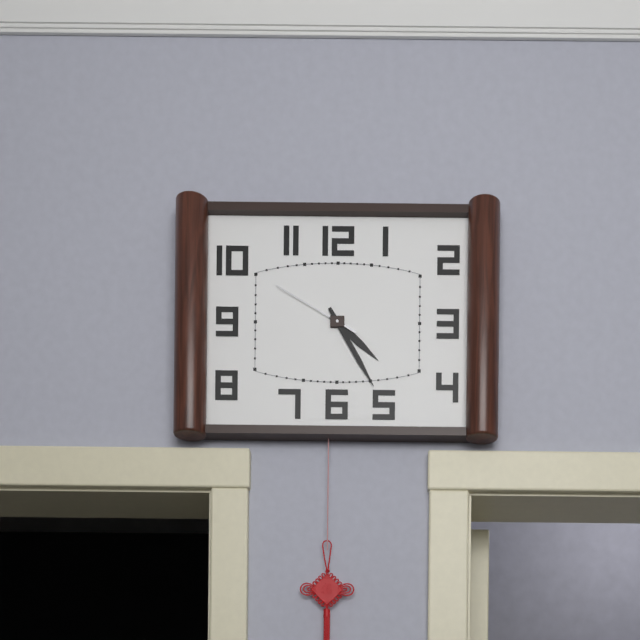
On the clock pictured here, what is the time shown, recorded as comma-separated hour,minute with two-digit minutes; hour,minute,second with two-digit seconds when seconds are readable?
4,25,50
